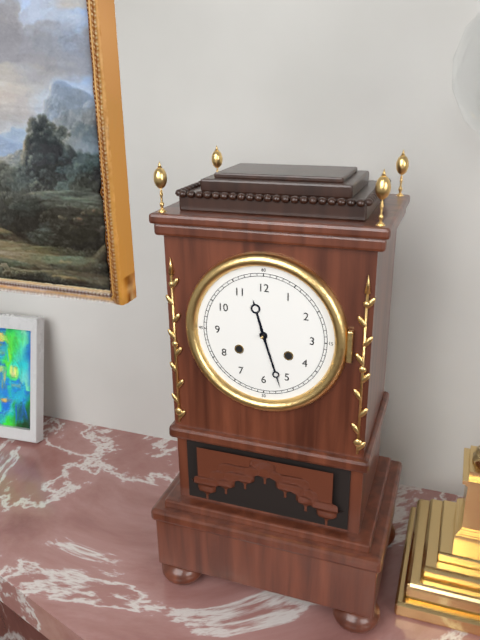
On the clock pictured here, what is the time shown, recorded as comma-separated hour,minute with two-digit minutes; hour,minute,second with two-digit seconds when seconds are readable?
11,27
